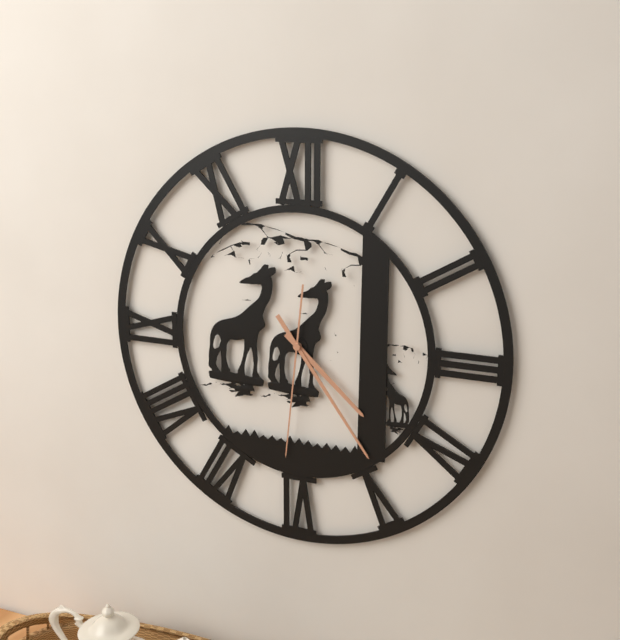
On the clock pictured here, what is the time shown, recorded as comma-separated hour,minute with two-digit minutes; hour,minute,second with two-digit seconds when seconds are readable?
4,24,31
